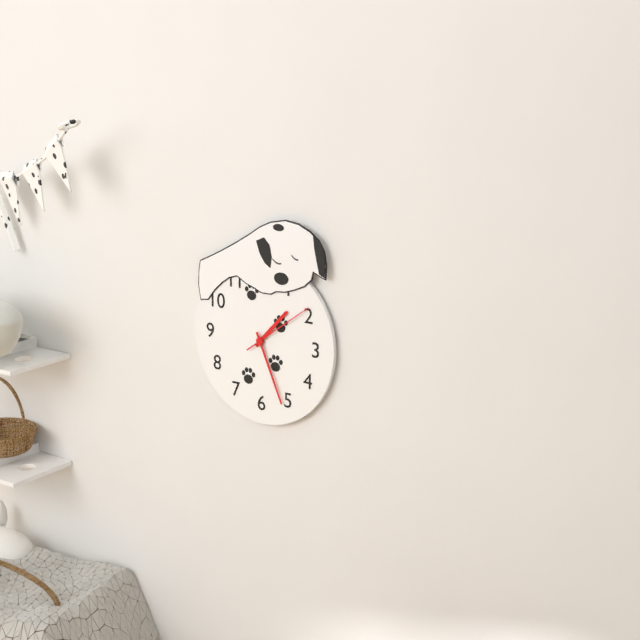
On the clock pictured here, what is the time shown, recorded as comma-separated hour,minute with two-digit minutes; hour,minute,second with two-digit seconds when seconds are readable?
1,26,09
